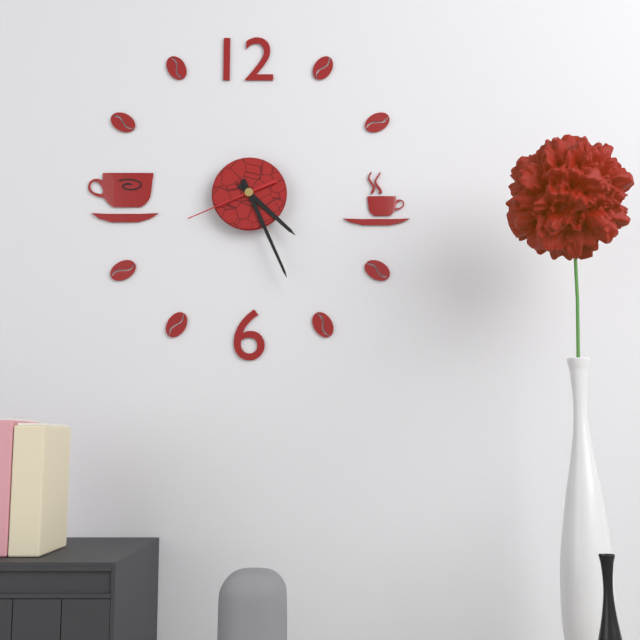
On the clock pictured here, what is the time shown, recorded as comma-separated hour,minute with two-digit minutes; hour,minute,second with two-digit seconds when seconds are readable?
4,26,41
